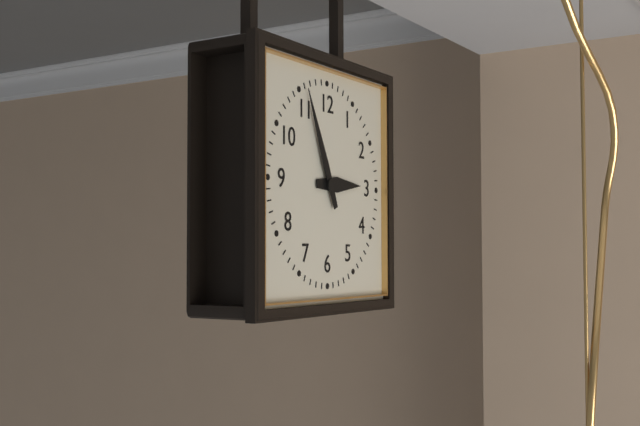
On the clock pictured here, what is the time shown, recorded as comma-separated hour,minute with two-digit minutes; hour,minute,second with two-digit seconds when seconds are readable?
2,56
